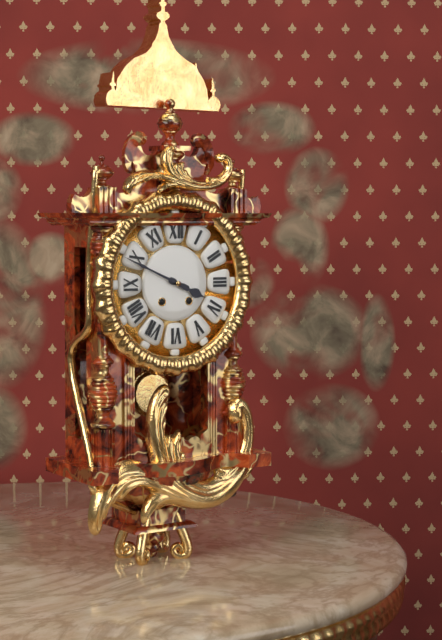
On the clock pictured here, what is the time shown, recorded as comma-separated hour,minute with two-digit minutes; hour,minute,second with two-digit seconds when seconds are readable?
3,49
